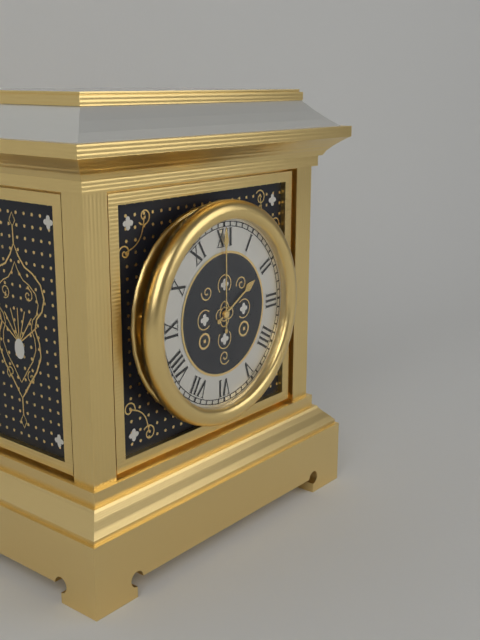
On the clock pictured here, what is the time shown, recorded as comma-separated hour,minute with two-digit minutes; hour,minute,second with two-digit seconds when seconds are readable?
2,00
